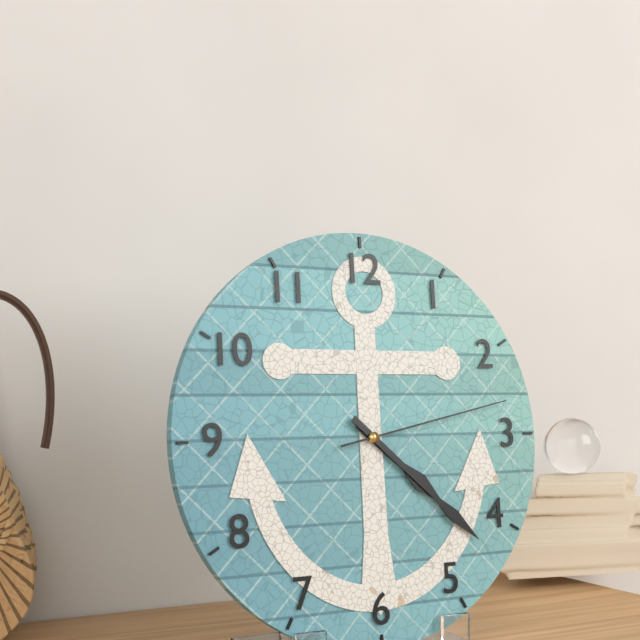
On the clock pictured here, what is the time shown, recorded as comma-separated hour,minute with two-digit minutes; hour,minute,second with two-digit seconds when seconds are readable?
4,22,13
